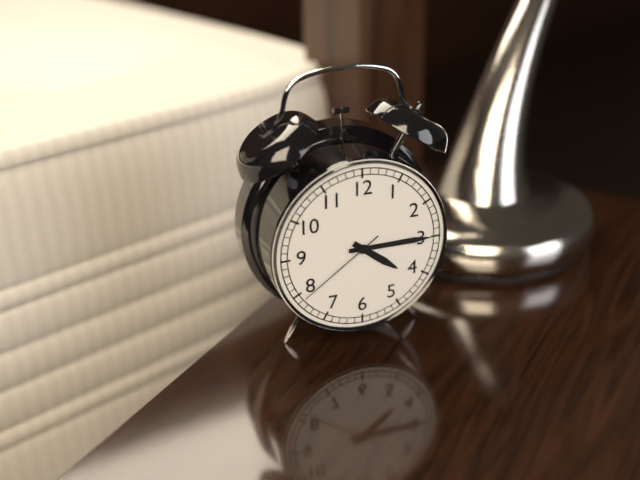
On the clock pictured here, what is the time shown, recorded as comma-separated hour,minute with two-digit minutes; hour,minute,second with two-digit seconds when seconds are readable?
4,15,39
